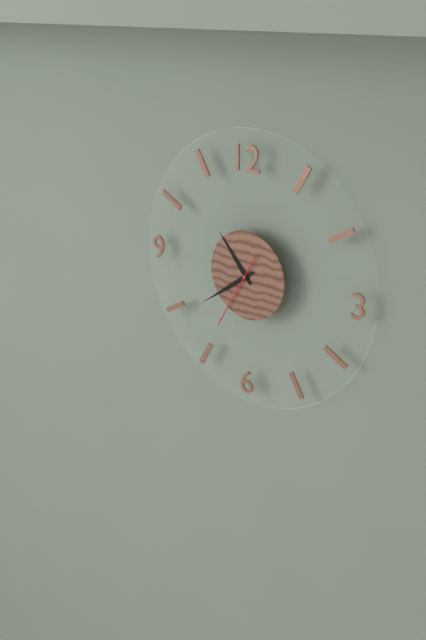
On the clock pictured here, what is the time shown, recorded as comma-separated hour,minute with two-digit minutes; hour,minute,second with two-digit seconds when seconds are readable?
10,39,35
